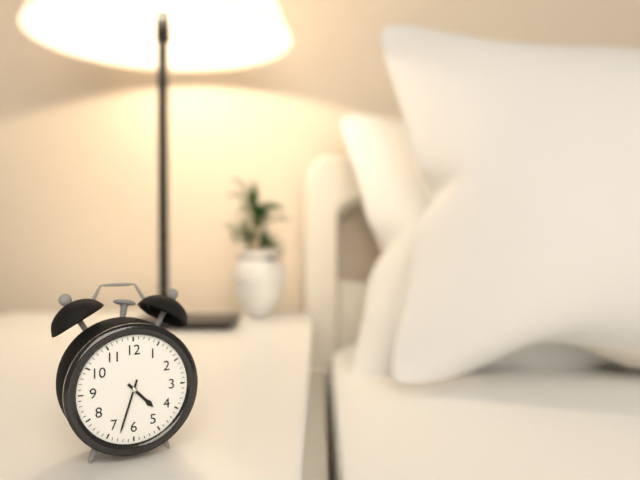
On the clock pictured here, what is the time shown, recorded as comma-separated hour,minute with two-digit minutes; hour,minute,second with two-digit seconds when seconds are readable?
4,33
